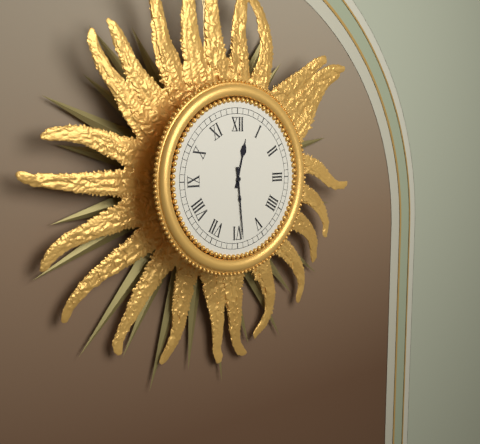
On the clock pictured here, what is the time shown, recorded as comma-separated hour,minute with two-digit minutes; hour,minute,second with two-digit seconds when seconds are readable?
12,29
